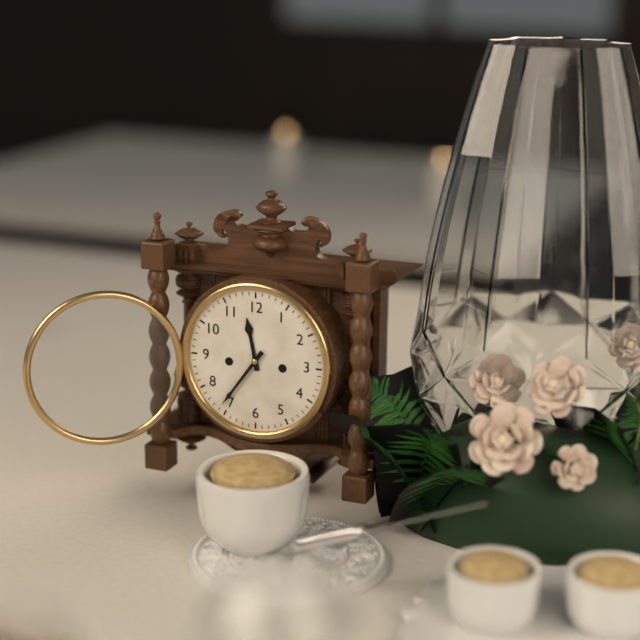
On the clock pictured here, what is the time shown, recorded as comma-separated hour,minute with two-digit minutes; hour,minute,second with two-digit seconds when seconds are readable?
11,36
